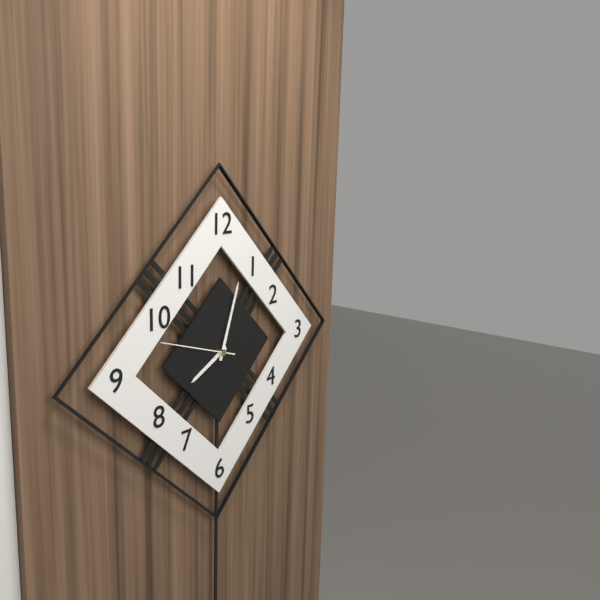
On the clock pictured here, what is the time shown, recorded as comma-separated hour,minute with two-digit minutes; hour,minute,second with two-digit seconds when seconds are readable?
8,03,48
